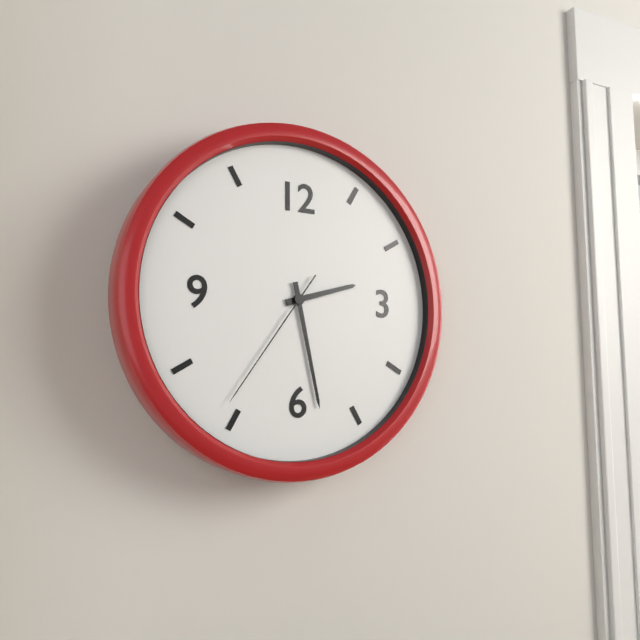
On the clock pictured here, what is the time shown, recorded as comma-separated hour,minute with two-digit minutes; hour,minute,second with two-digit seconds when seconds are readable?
2,28,36
